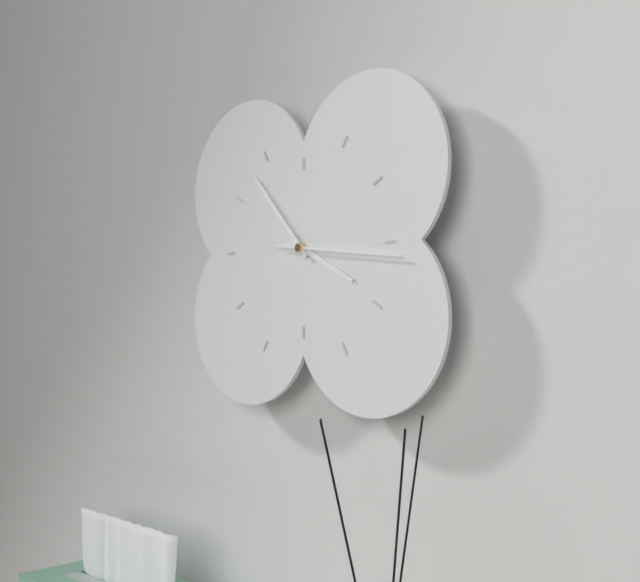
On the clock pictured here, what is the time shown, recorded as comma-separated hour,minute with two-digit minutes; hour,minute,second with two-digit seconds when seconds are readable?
3,53,16
